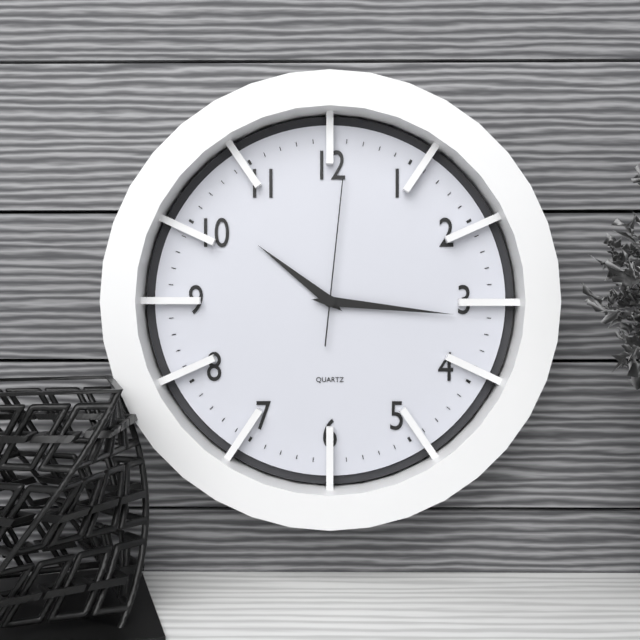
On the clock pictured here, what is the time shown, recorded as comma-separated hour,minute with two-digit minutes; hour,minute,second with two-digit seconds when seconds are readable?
10,16,01
